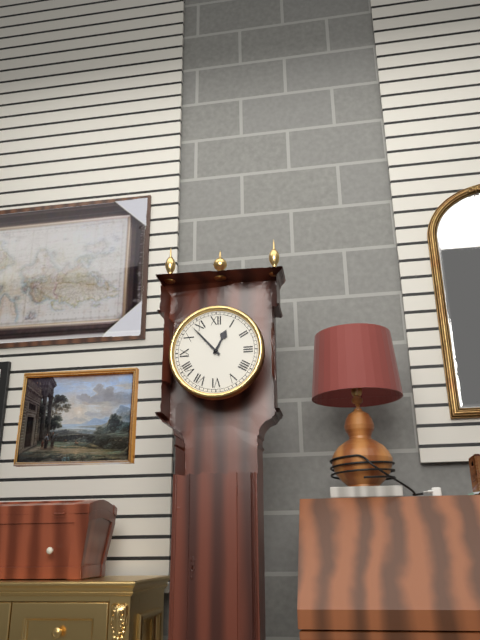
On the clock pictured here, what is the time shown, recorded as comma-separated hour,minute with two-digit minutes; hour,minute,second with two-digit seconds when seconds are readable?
12,53
